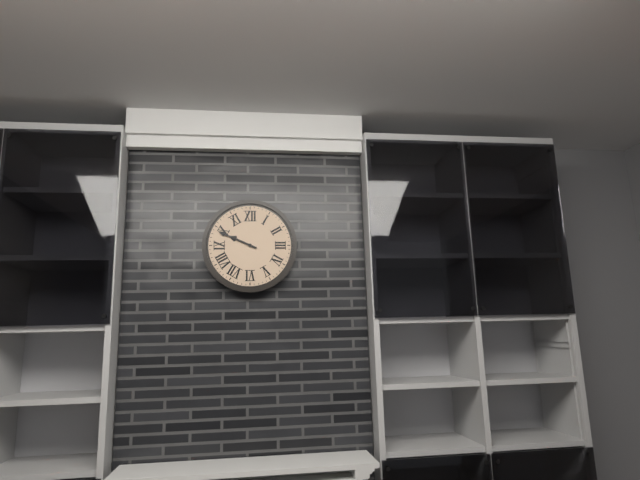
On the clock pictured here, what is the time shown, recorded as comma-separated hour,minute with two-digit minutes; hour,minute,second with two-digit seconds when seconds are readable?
9,49
